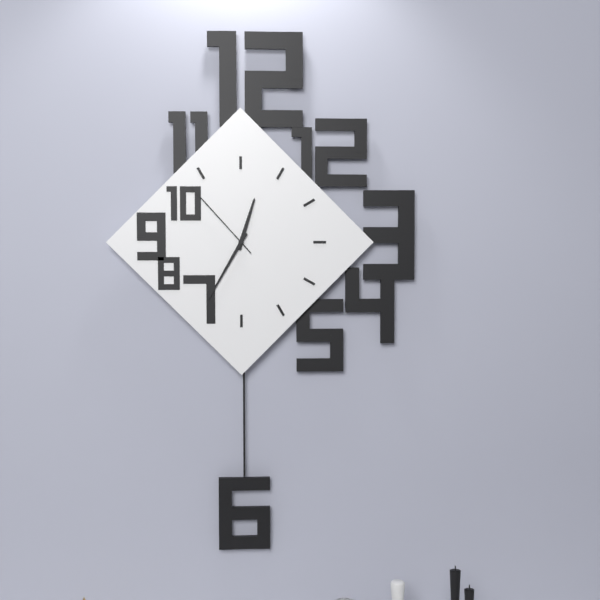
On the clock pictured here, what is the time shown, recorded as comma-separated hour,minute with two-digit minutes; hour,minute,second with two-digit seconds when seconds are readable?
12,35,53
